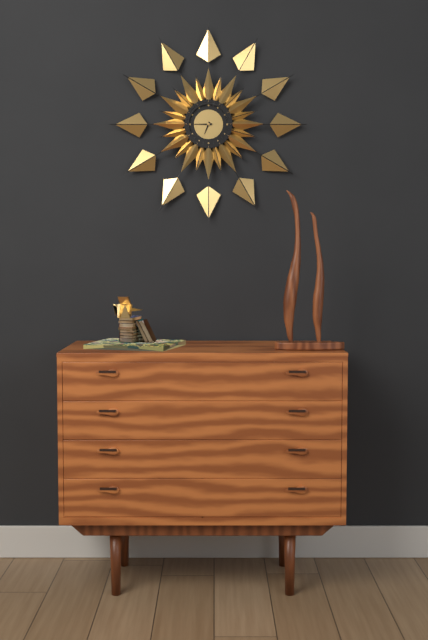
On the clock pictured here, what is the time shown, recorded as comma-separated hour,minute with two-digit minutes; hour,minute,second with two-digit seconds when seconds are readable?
6,45
